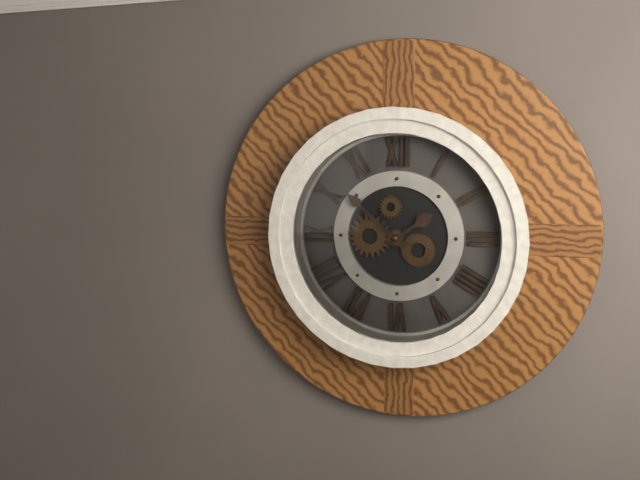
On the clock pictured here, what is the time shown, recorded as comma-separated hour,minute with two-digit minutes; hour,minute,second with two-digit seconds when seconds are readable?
1,52
